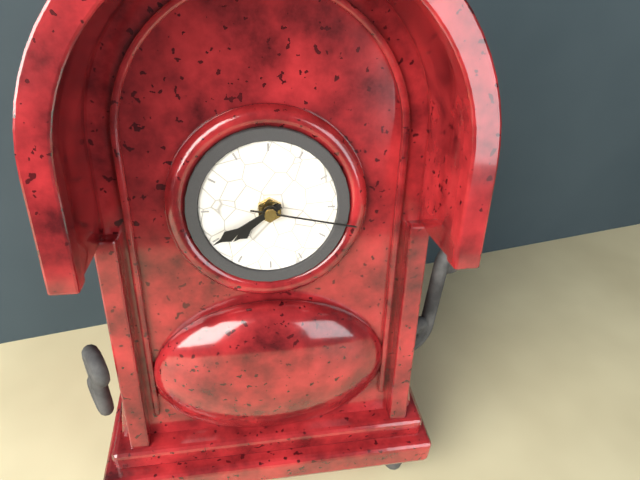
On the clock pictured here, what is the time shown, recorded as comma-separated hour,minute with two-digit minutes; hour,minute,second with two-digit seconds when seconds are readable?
7,40,17
